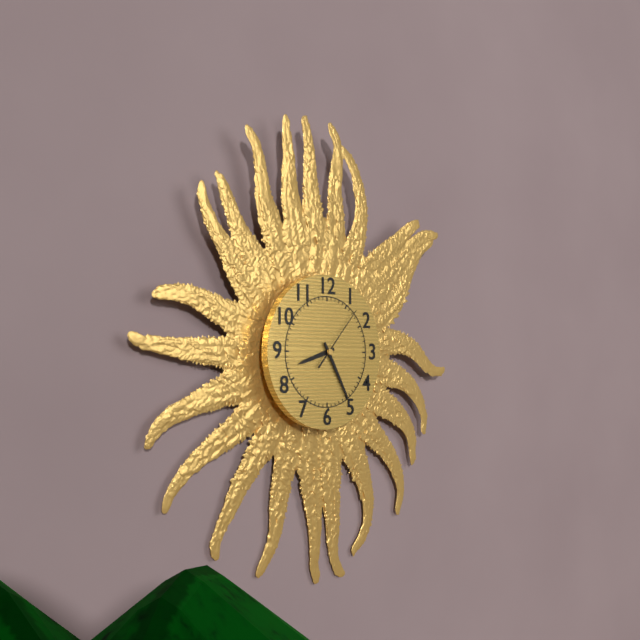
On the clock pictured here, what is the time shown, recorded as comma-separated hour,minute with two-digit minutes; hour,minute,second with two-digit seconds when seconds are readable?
8,25,07
